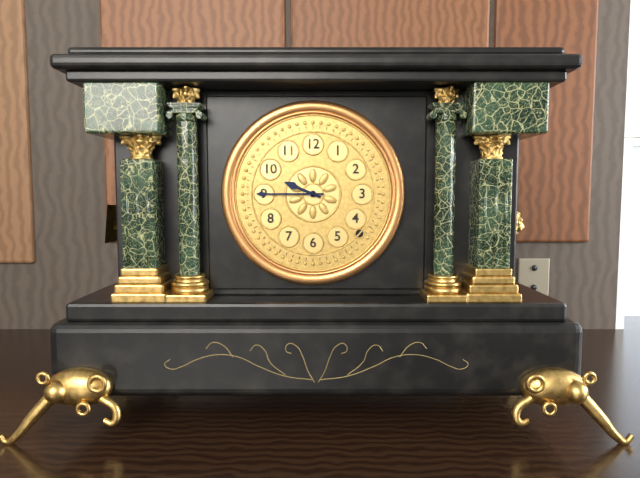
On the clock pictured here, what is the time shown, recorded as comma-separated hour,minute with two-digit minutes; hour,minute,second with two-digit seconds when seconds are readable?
9,45
